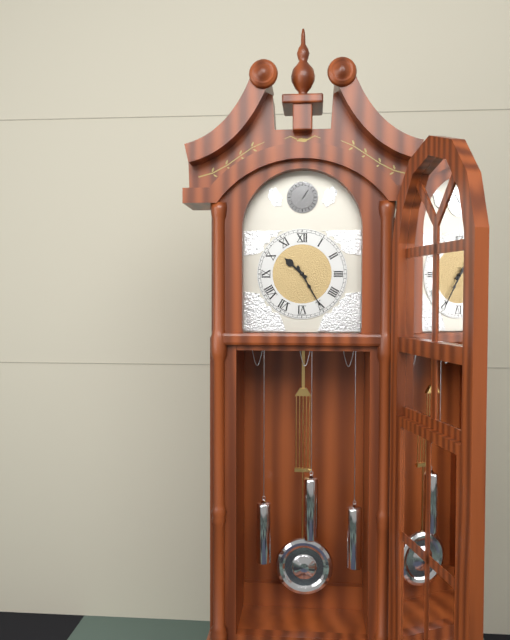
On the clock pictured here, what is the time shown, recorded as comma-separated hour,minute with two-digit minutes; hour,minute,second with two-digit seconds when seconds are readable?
10,25
